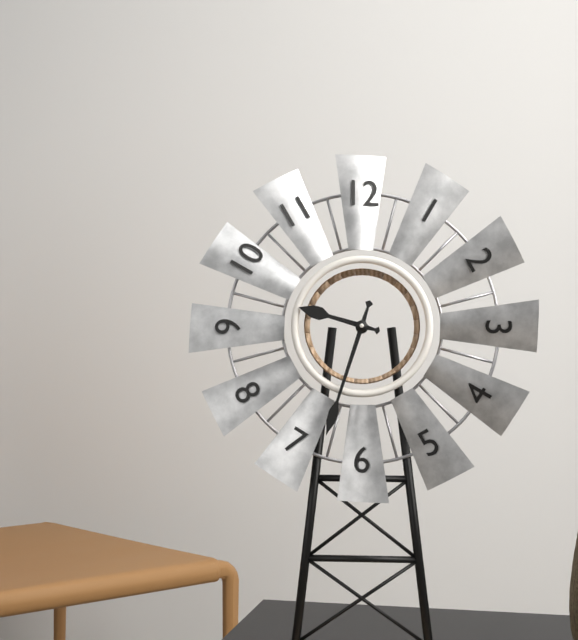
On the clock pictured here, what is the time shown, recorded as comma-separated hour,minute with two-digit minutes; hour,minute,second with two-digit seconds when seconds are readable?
9,33
